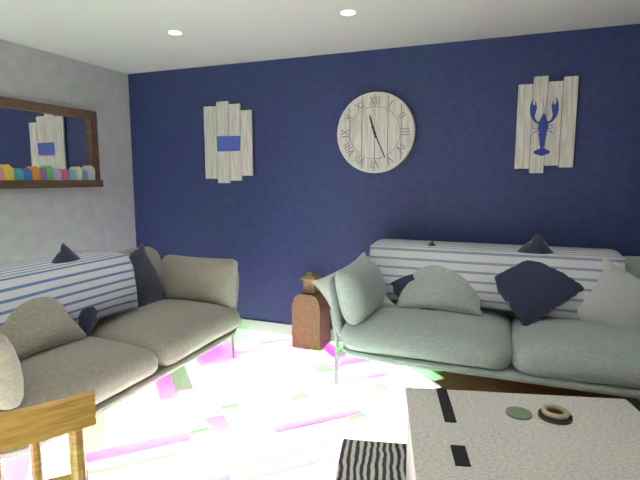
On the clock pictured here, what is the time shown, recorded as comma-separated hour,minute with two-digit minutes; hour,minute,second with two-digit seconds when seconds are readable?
11,26
